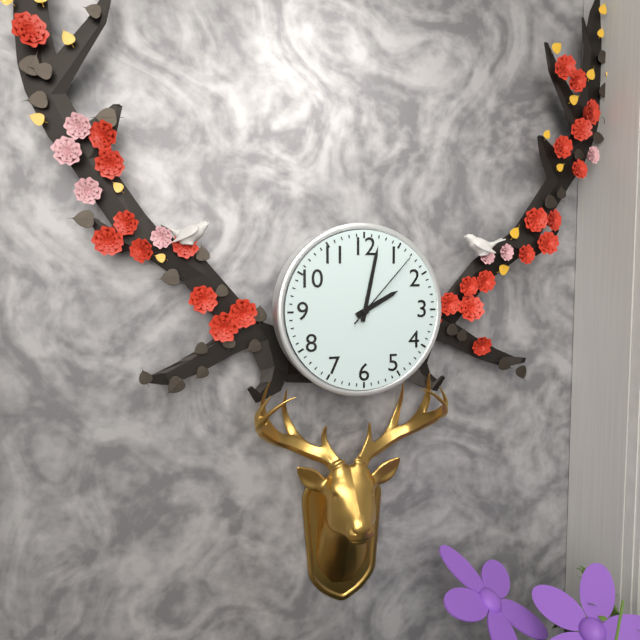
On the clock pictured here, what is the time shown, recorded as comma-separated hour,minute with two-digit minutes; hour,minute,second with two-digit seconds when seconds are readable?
2,02,07
